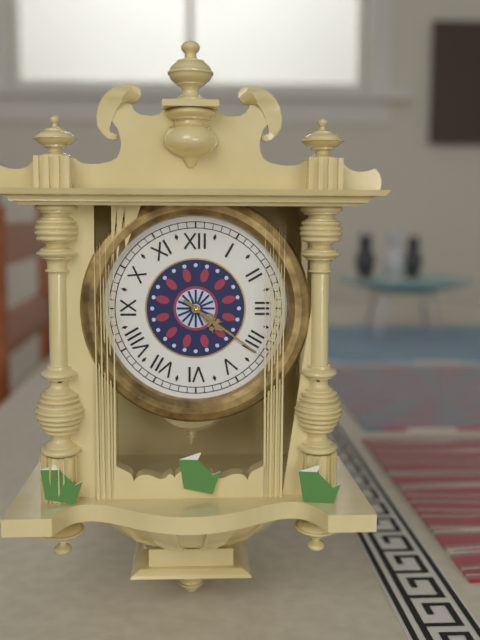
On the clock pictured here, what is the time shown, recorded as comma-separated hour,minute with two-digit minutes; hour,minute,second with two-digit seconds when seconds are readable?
4,21
